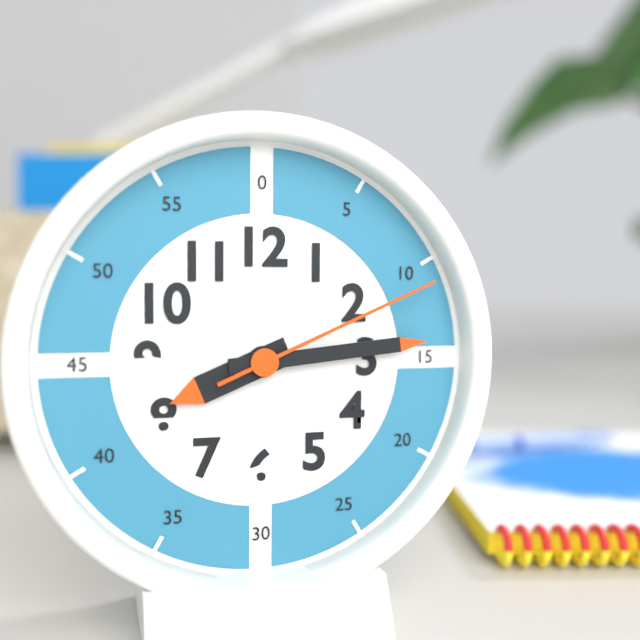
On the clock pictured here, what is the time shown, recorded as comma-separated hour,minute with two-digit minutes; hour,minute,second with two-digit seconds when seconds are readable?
8,14,11
